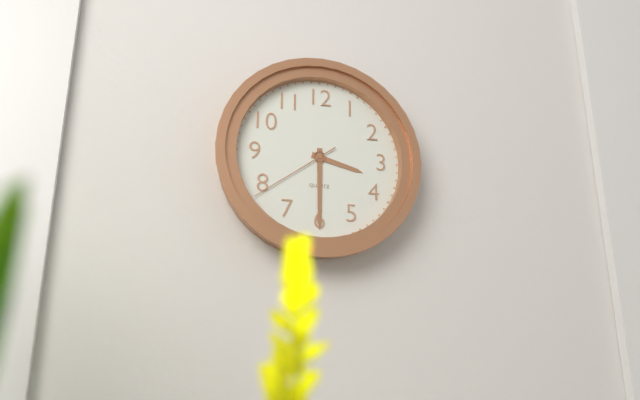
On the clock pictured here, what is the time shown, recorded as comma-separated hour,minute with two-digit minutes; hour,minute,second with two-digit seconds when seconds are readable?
3,30,39
